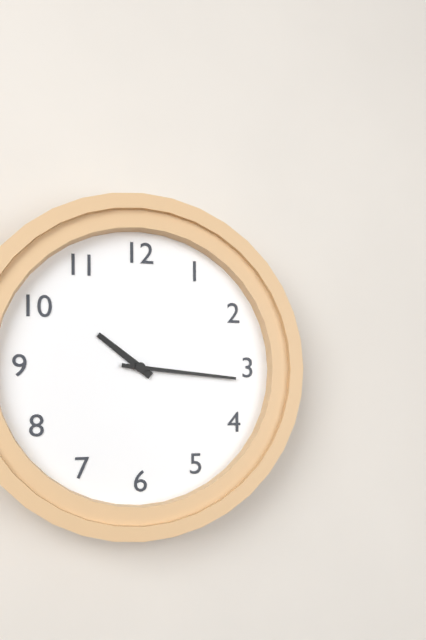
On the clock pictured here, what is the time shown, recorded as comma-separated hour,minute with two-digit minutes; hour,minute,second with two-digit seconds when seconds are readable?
10,16
